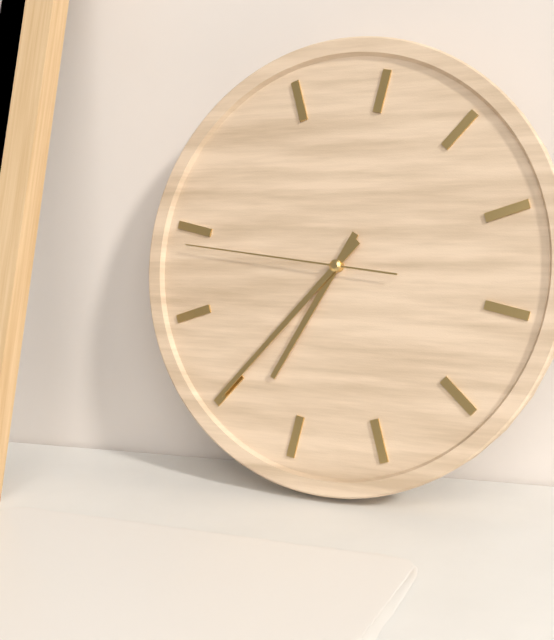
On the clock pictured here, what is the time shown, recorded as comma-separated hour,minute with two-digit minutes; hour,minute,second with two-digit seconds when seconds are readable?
6,35,44
